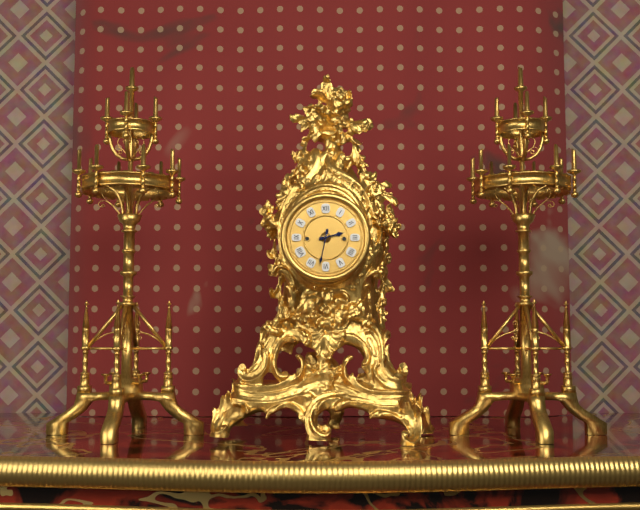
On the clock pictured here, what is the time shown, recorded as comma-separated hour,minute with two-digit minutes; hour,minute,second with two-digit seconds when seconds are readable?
2,32
